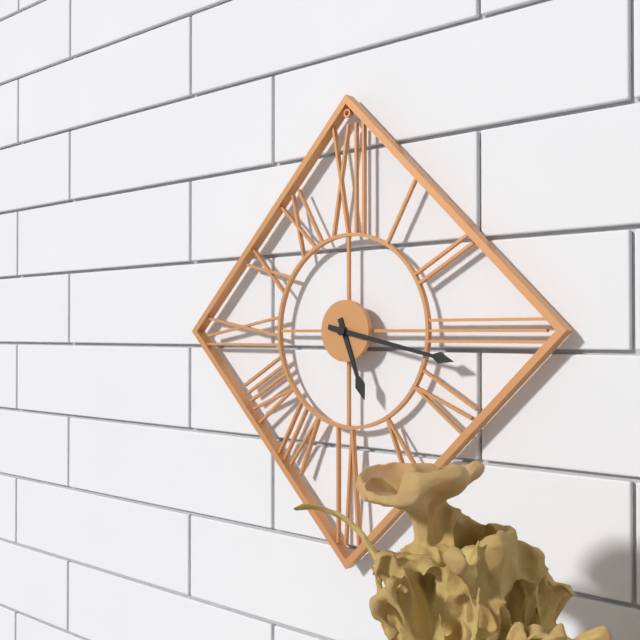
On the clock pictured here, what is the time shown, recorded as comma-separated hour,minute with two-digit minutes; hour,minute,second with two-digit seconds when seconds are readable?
5,17
